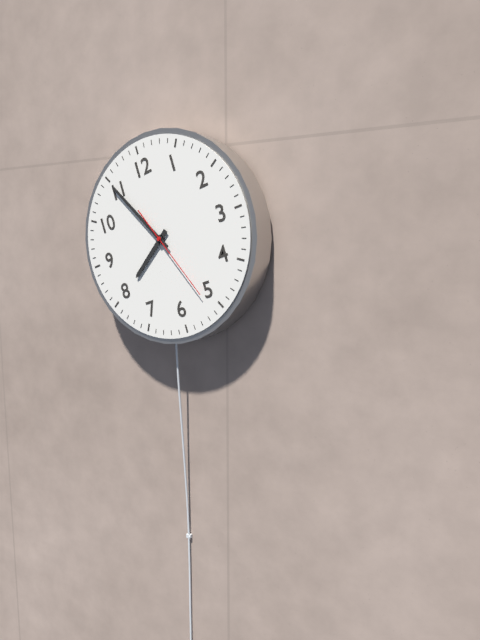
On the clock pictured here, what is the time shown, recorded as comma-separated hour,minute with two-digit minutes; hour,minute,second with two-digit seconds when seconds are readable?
7,55,26
